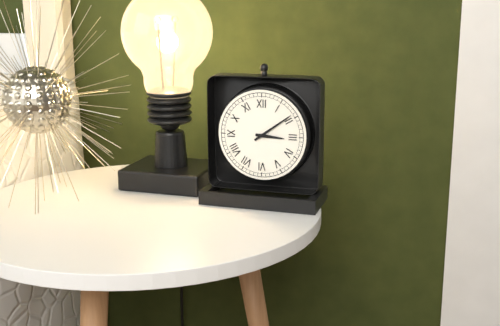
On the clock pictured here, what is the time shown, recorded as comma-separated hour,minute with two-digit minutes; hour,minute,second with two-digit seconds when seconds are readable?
3,09
